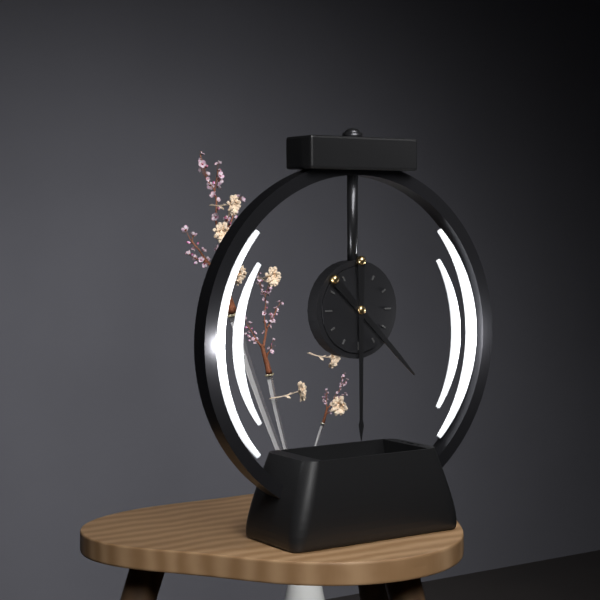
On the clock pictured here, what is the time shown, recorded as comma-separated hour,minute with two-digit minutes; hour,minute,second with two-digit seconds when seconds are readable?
4,30
